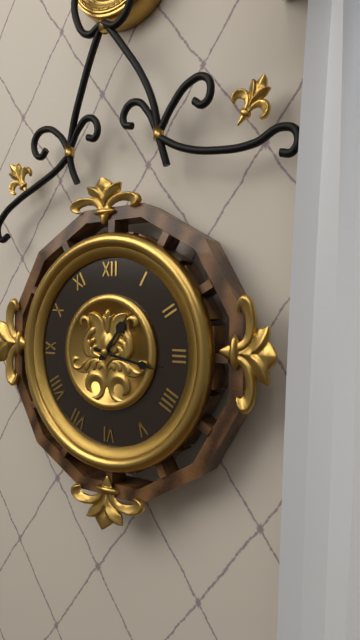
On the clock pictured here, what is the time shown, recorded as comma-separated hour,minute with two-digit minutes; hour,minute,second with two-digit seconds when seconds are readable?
1,17
